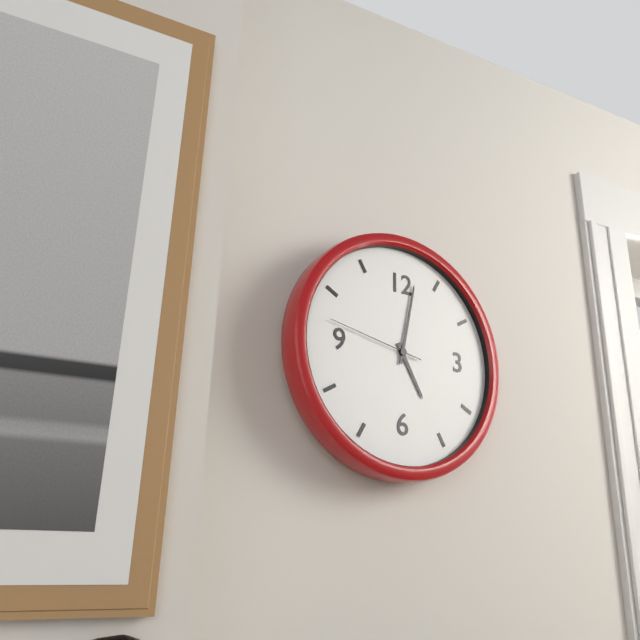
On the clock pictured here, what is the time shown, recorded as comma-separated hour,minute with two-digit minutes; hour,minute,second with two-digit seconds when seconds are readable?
5,02,47
